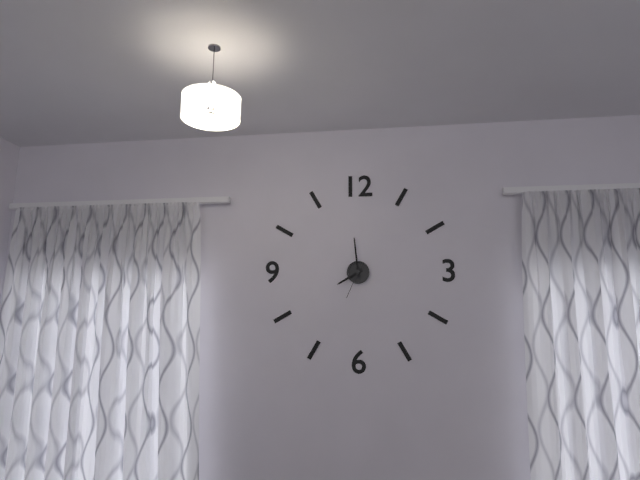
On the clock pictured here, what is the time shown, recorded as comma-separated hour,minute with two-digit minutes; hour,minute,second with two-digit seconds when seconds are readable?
7,59
